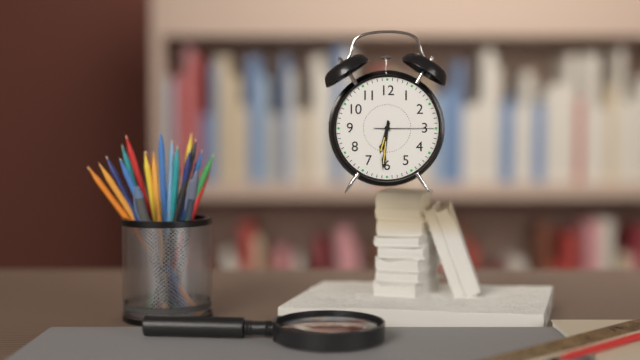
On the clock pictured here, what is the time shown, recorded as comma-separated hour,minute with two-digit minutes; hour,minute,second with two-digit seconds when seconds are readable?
6,31,15
